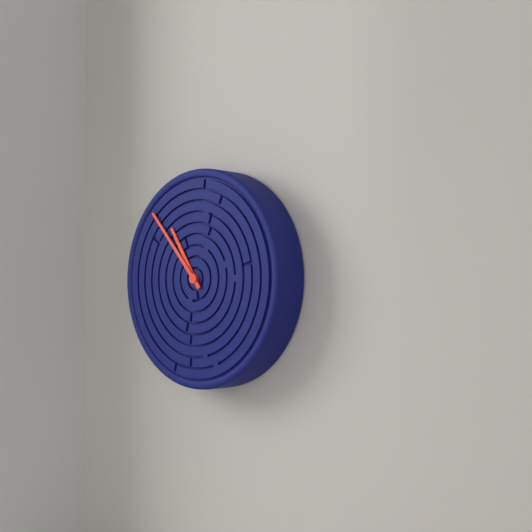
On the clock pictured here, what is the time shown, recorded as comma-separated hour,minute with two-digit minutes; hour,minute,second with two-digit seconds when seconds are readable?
10,53
